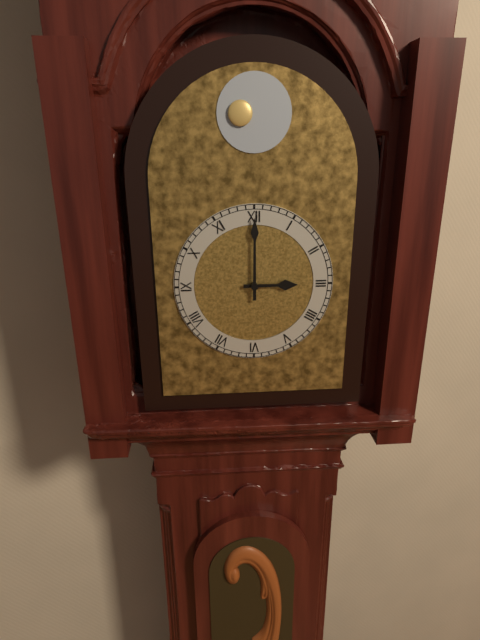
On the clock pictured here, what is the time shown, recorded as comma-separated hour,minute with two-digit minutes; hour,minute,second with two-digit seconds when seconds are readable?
3,00
